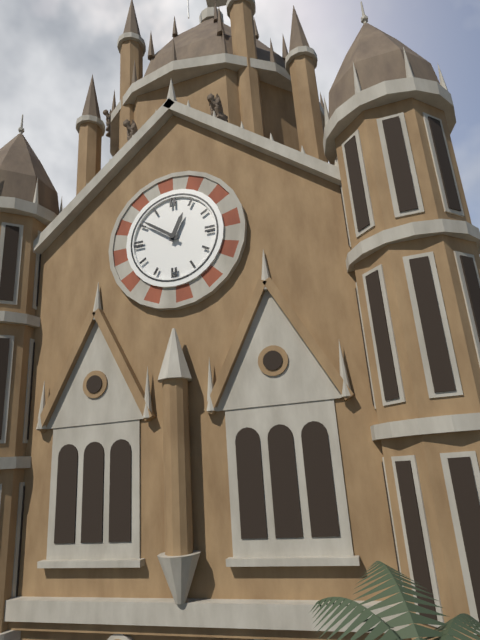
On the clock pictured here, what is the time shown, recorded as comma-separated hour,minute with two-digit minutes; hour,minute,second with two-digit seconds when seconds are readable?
12,51
